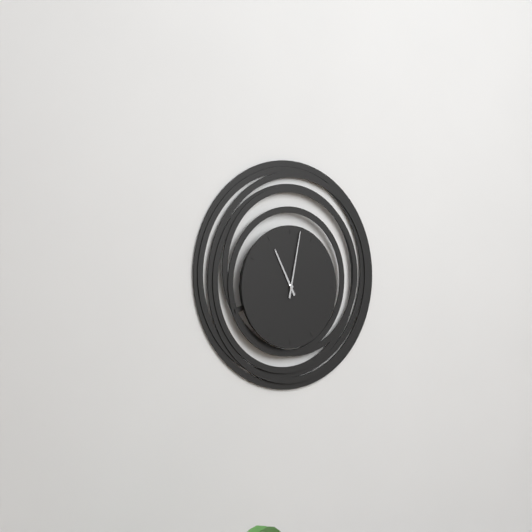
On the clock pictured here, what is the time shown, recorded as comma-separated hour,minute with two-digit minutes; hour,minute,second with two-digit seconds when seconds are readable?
11,02
